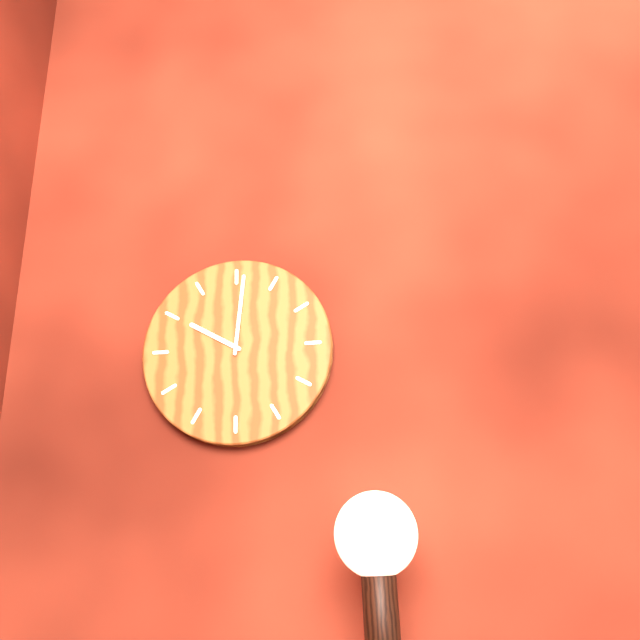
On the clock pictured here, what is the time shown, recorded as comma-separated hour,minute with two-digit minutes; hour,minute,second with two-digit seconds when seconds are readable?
10,01
